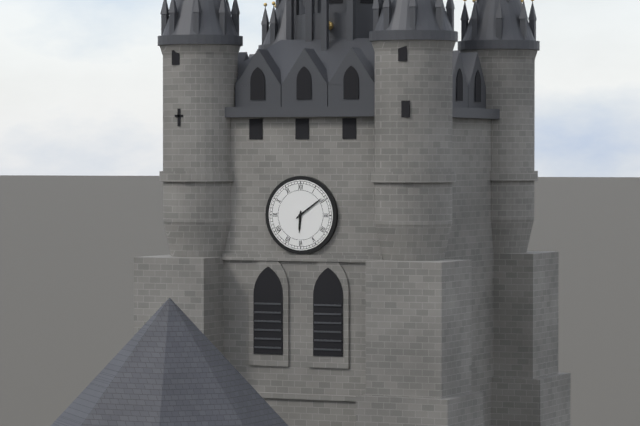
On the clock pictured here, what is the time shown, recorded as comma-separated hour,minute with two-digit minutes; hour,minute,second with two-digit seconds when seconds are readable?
6,09
